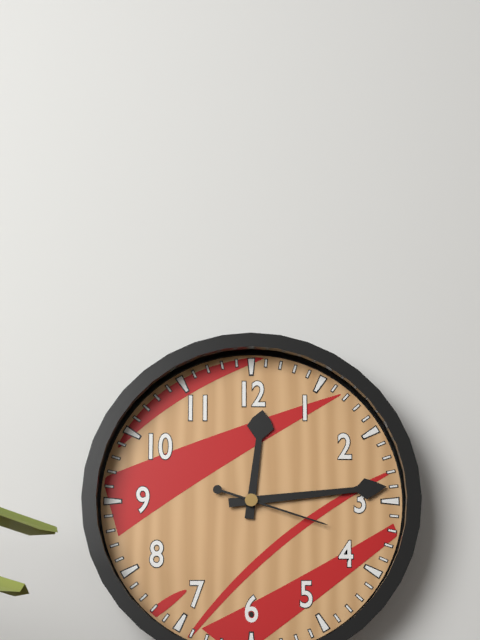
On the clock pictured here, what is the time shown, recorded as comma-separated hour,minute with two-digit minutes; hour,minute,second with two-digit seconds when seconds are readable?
12,14,18
